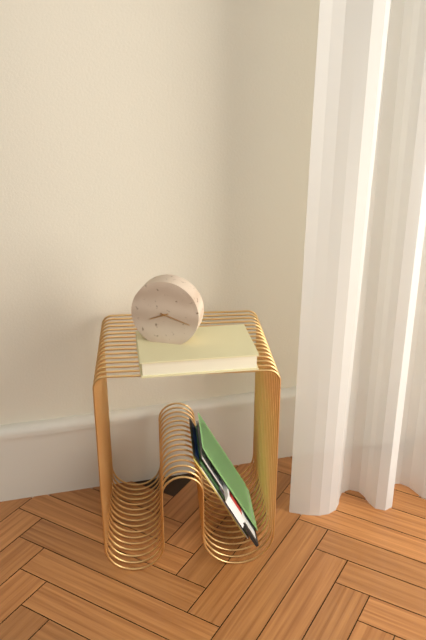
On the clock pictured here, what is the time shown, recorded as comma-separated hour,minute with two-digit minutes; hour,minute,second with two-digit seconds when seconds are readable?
8,18
